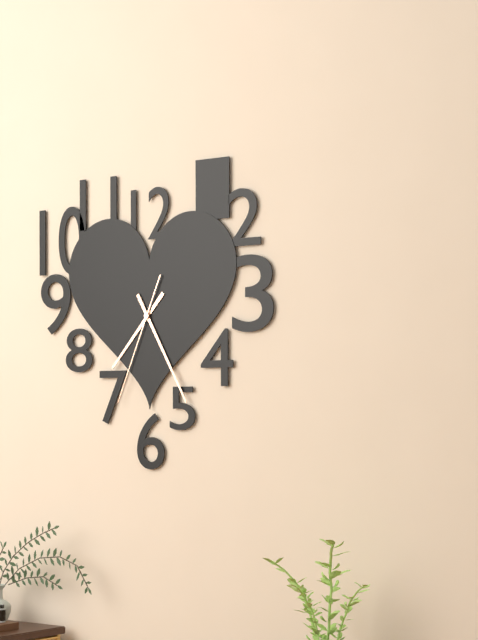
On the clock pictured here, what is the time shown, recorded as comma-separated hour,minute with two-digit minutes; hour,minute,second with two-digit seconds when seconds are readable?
7,25,34
